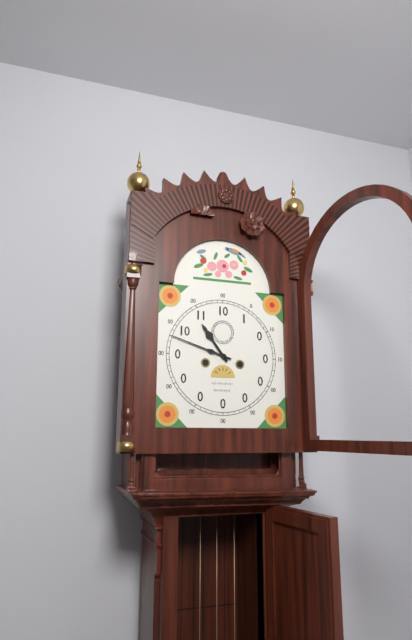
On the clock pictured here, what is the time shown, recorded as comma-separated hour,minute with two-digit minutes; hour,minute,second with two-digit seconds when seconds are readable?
10,48
